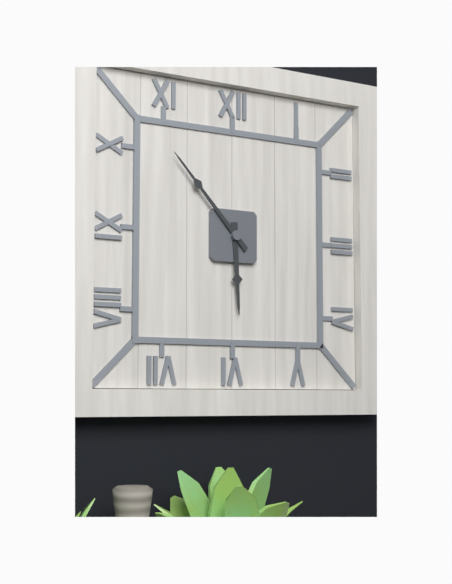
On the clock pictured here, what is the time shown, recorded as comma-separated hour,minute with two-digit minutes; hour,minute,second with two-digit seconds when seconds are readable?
5,53
